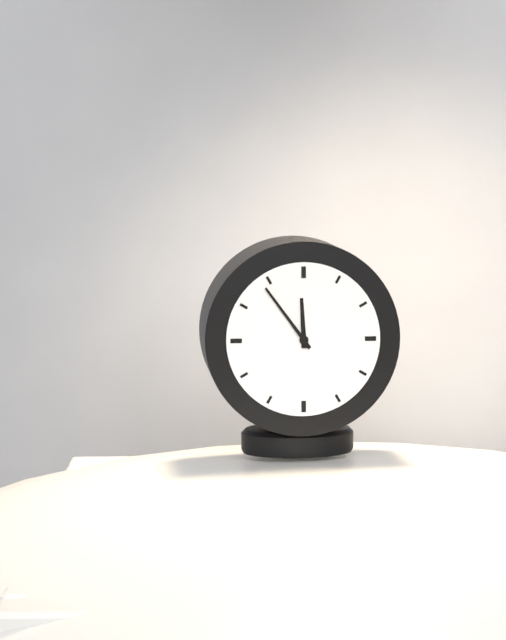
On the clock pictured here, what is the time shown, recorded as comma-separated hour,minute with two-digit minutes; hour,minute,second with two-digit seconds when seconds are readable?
11,54
